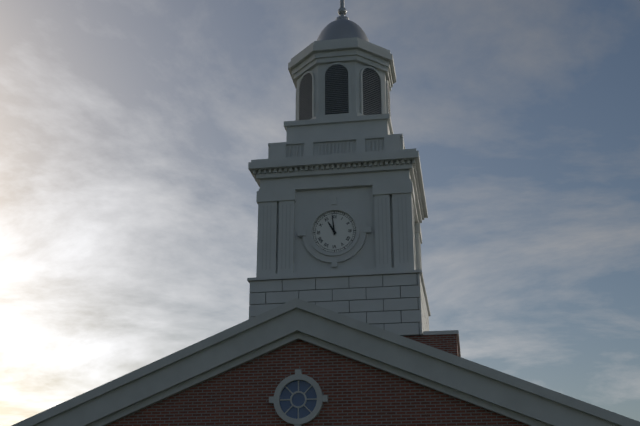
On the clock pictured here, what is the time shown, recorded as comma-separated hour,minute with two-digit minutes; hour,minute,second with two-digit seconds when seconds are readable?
10,59
